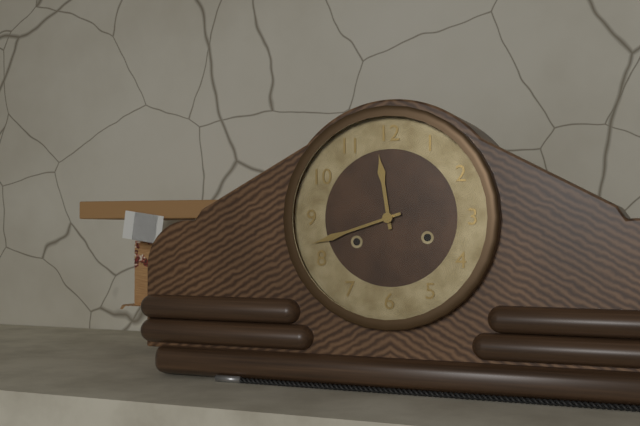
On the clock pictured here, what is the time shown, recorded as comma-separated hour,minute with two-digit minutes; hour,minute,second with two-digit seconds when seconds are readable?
11,42
